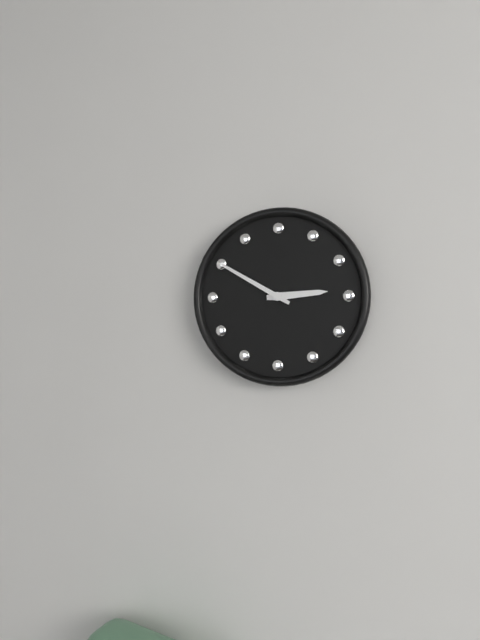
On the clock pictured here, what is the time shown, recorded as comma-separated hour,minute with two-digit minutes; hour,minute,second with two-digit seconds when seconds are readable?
2,50
